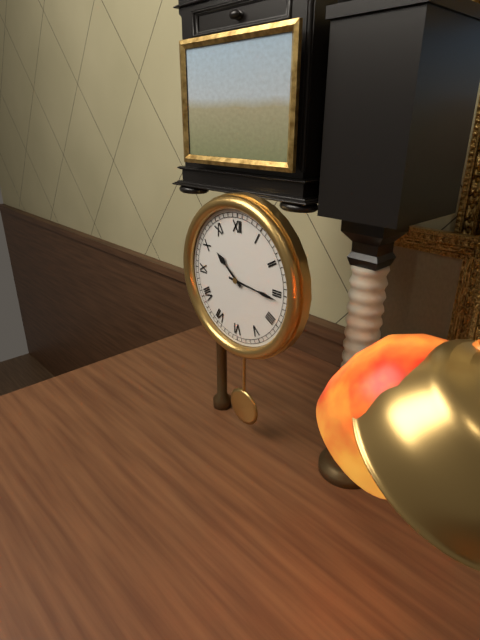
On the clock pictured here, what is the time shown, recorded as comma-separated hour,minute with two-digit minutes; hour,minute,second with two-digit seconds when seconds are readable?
10,16
